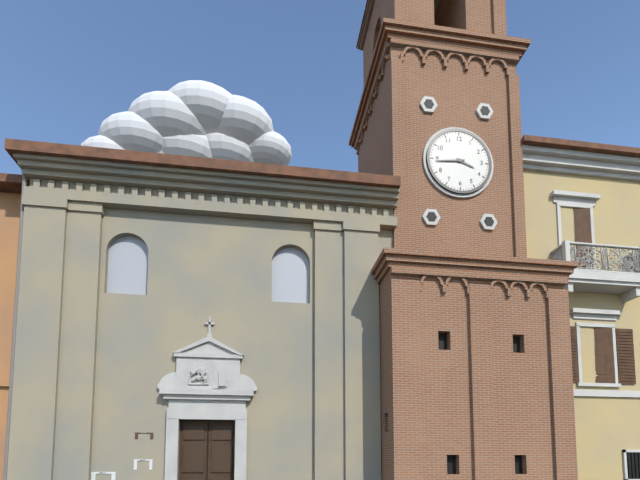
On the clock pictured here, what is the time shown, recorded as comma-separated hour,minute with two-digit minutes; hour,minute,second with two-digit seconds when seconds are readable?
3,44
